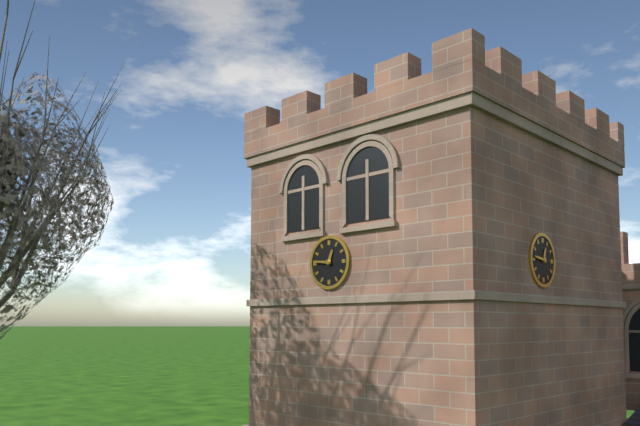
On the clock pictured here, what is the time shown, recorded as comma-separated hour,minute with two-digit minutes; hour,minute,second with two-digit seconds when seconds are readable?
12,46
